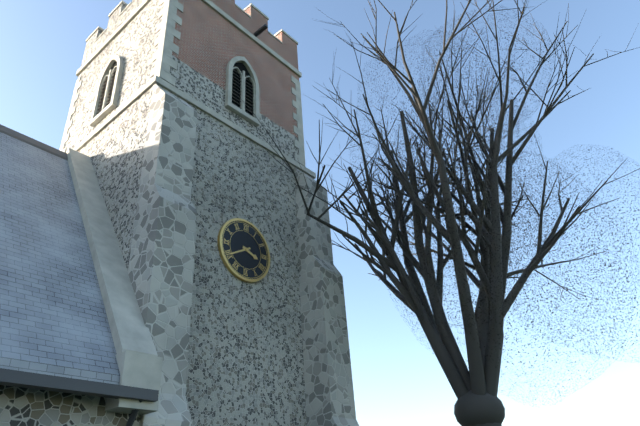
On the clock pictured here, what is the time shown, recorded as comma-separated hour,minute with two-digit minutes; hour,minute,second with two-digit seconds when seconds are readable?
3,40
